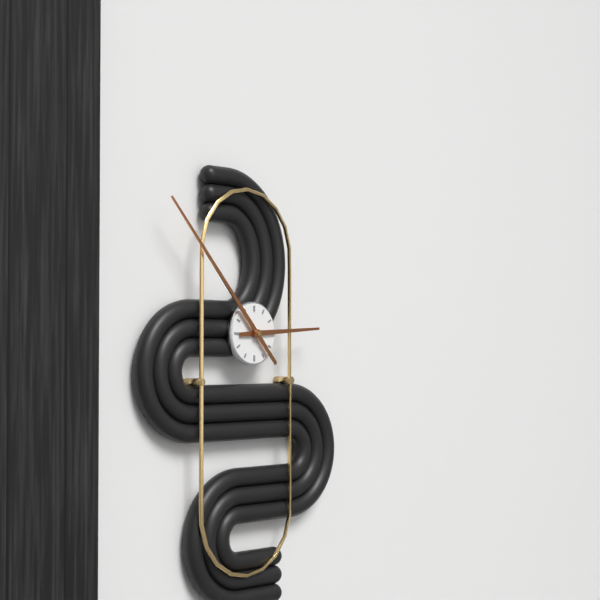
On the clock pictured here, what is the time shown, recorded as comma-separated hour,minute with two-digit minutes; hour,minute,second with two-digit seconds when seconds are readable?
2,53
